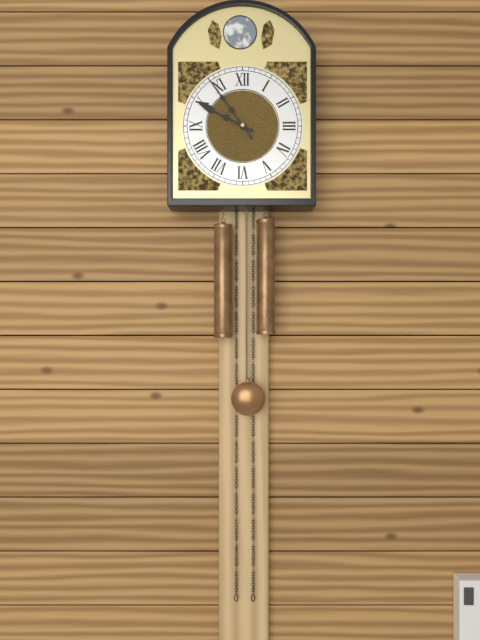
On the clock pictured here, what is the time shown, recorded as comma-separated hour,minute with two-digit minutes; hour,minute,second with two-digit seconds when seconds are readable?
9,54
